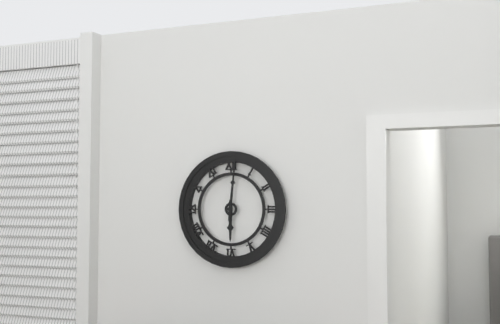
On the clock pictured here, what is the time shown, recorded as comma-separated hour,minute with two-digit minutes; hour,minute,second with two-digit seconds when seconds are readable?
6,01
